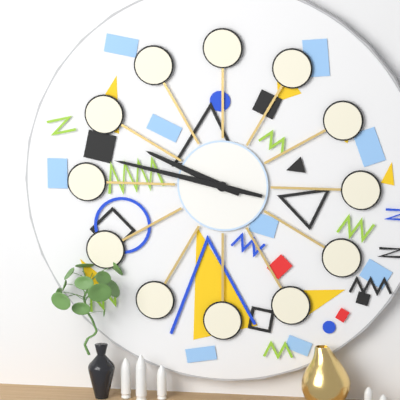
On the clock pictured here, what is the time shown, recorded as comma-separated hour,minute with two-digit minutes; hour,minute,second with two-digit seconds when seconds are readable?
9,47
